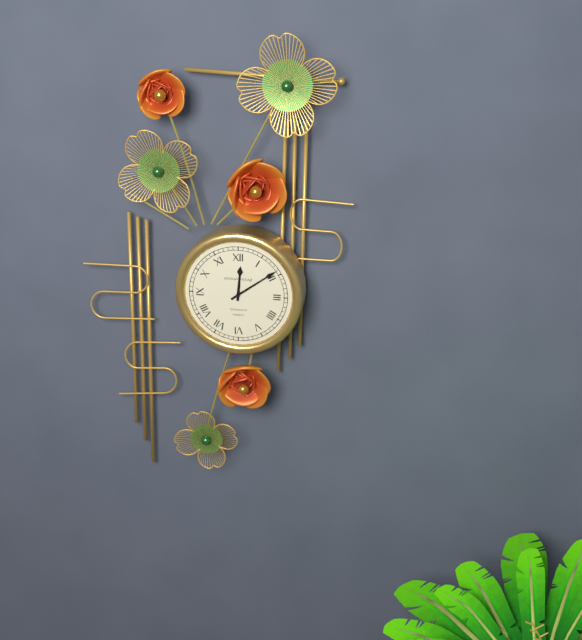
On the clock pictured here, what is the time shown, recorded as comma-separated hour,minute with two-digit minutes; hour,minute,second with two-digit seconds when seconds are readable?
12,09
